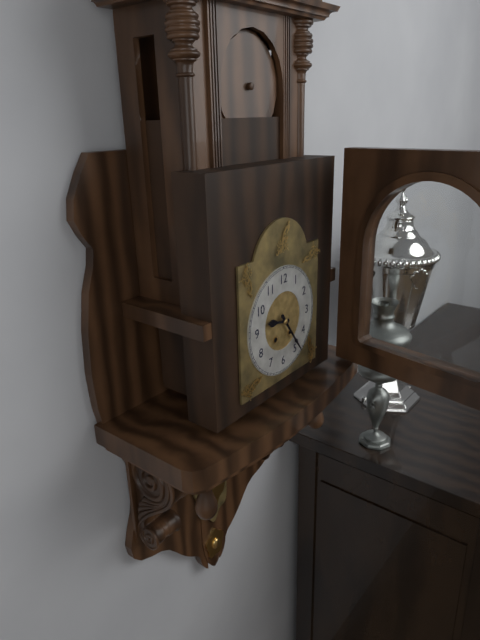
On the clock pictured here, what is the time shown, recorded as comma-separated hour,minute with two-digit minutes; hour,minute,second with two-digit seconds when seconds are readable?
9,24
